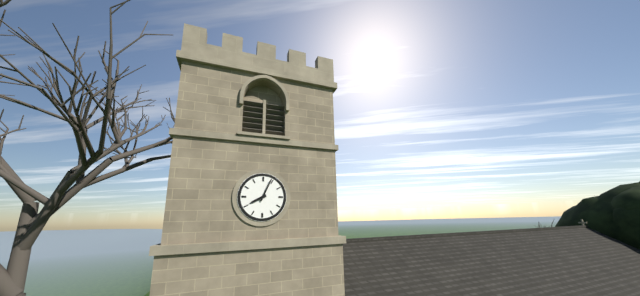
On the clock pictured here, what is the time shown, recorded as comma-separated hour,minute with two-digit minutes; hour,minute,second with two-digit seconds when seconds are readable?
8,04
